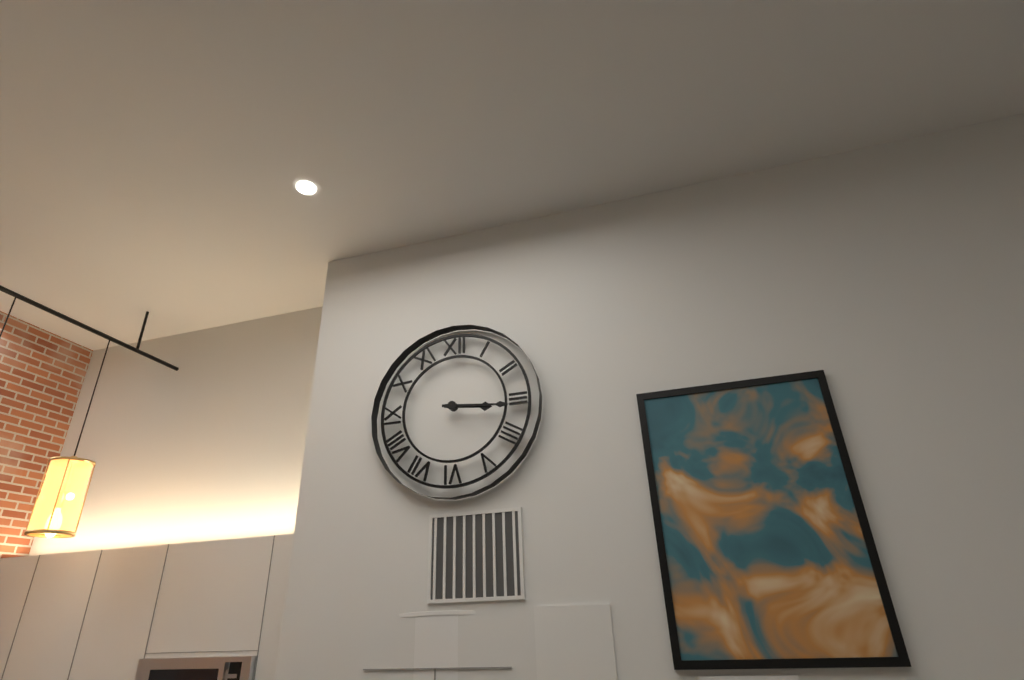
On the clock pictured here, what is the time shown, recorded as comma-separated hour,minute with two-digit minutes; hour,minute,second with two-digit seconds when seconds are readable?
3,16
